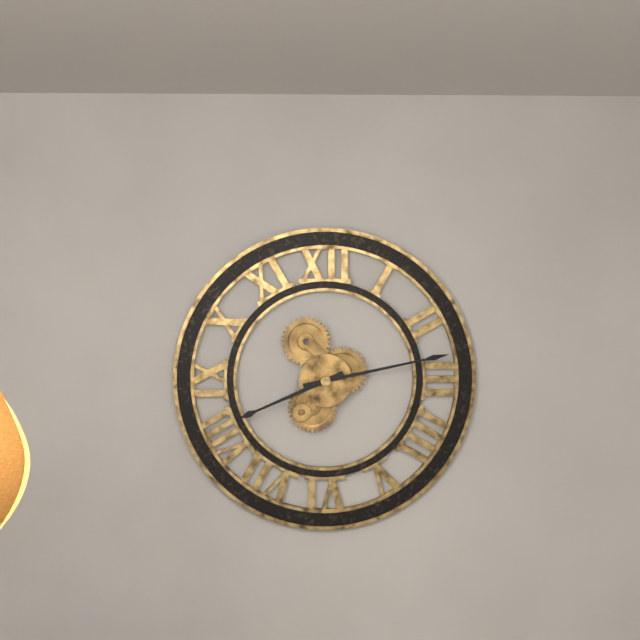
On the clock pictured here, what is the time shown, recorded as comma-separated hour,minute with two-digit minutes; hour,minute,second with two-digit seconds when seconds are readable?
8,13
